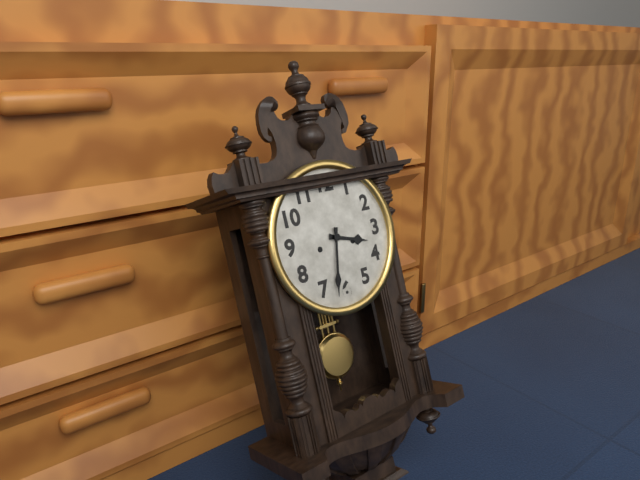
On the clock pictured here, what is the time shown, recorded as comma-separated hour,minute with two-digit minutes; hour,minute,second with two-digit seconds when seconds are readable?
3,32
